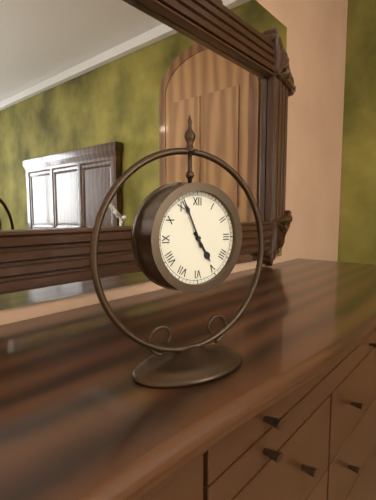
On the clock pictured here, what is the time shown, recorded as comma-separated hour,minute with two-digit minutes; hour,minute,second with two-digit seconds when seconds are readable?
4,56
